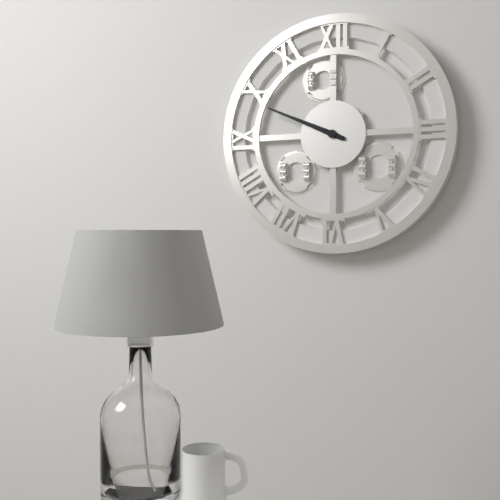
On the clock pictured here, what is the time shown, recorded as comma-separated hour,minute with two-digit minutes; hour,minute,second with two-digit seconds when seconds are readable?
9,49
